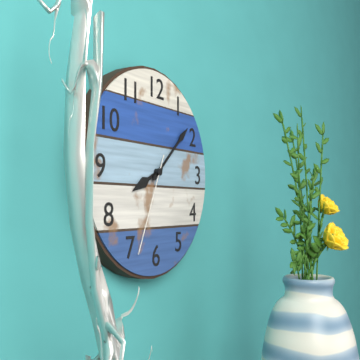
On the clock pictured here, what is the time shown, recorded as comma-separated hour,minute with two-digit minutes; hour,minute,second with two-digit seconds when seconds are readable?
8,08,34
